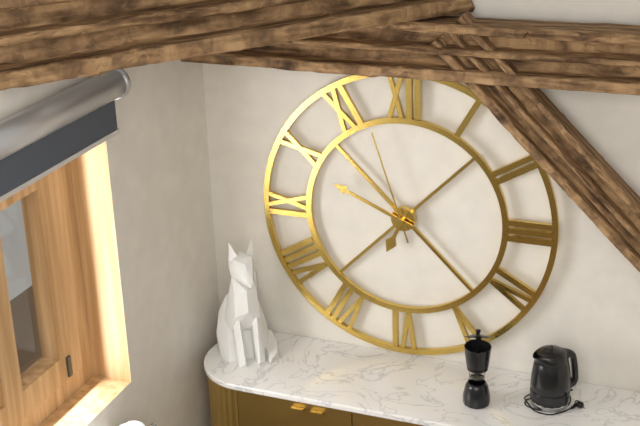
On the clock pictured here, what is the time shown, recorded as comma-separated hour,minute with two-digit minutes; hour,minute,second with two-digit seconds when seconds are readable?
6,49,57
